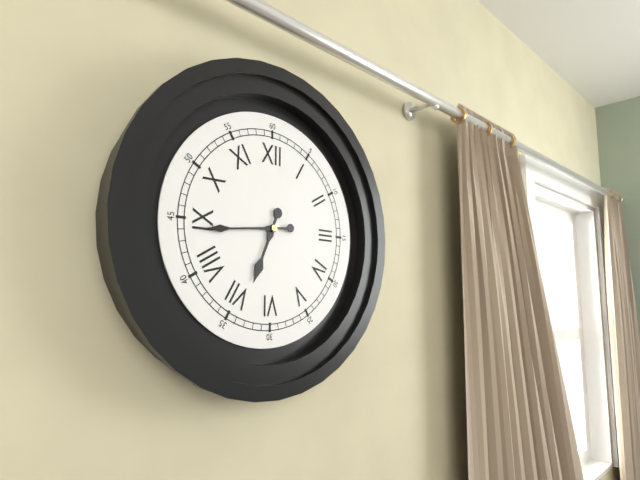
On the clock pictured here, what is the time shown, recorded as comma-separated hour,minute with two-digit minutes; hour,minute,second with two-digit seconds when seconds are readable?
6,44
